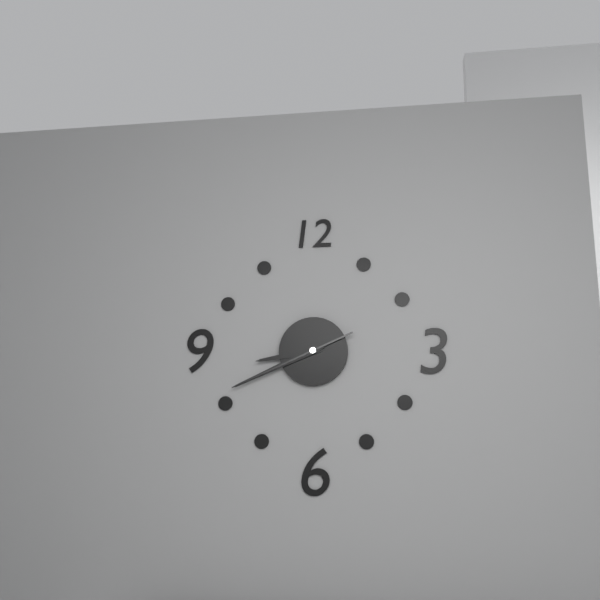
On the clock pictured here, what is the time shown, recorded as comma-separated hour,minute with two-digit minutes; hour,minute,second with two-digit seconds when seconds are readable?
8,41,41
